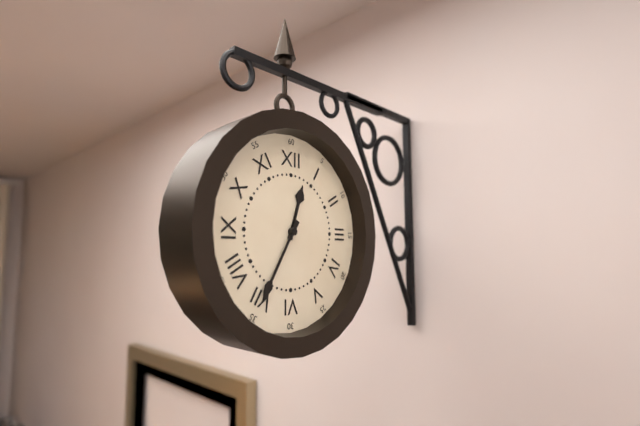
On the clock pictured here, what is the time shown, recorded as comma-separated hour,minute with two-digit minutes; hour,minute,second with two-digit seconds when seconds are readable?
12,35
